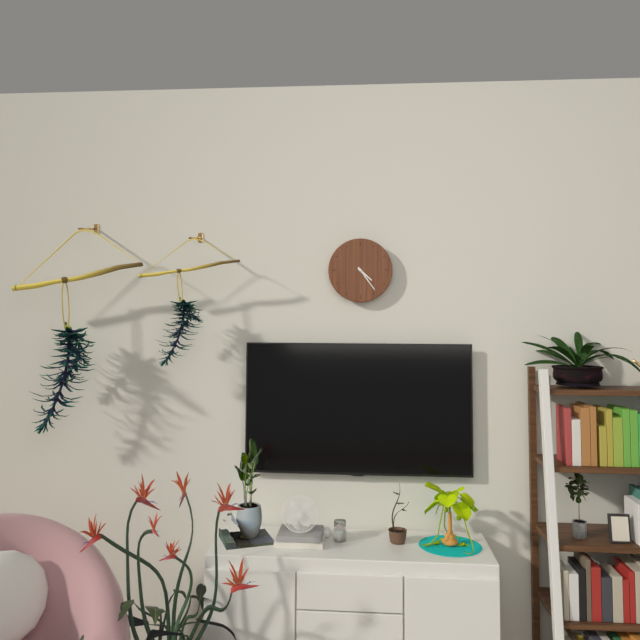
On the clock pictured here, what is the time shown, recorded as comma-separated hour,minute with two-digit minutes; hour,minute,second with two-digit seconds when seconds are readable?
4,24
